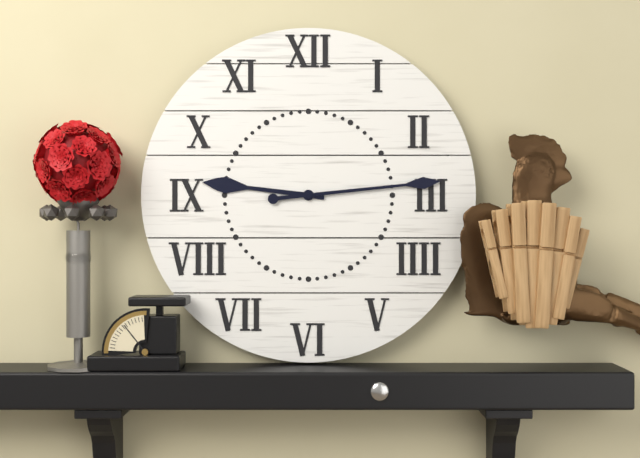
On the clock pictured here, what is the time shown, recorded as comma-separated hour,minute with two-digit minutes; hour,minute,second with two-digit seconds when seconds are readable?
9,14
